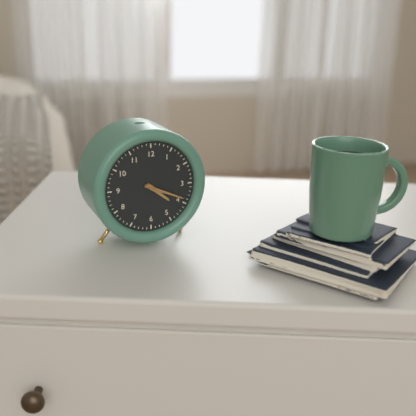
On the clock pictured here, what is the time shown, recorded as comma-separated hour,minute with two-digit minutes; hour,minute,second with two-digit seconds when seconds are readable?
4,19
